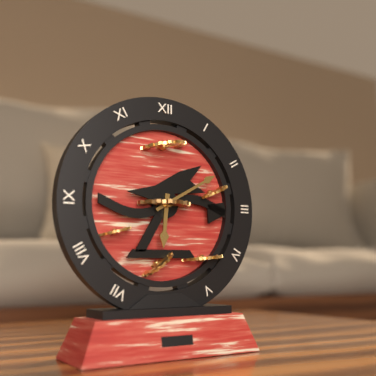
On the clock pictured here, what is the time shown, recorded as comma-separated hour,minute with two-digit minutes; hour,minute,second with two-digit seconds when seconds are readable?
6,10
